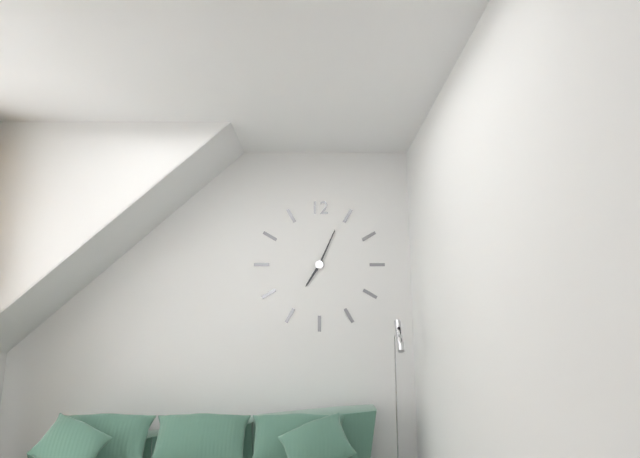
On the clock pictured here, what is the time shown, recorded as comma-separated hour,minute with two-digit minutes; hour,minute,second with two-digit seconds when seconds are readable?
7,04
